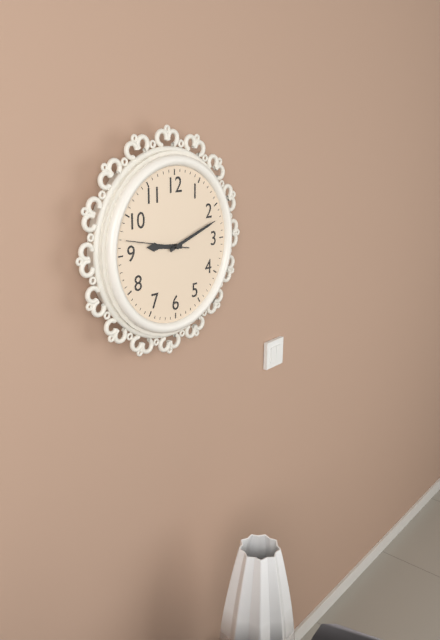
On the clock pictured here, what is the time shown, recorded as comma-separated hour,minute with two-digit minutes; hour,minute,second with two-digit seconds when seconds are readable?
9,12,47
